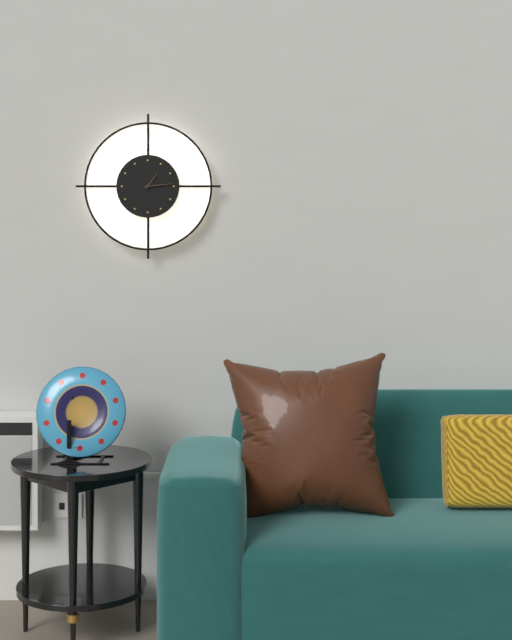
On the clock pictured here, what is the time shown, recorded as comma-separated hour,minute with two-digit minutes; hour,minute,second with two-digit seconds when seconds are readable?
1,14
